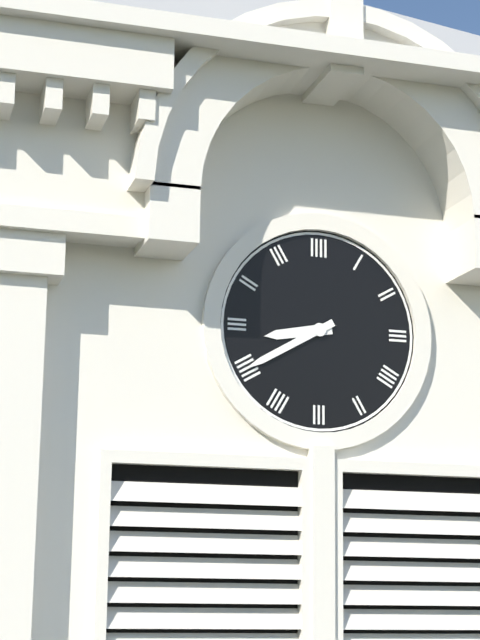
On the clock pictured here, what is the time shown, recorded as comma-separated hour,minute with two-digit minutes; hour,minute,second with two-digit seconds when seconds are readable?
8,40
